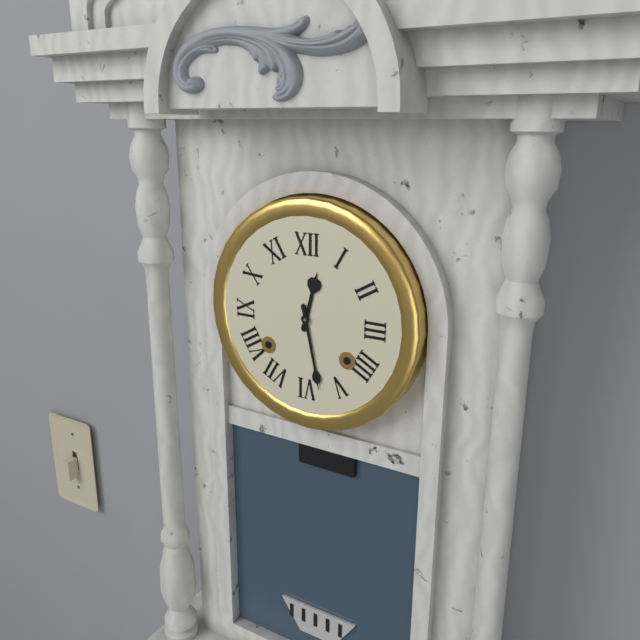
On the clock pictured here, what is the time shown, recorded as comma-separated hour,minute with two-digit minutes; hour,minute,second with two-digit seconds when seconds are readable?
12,28
